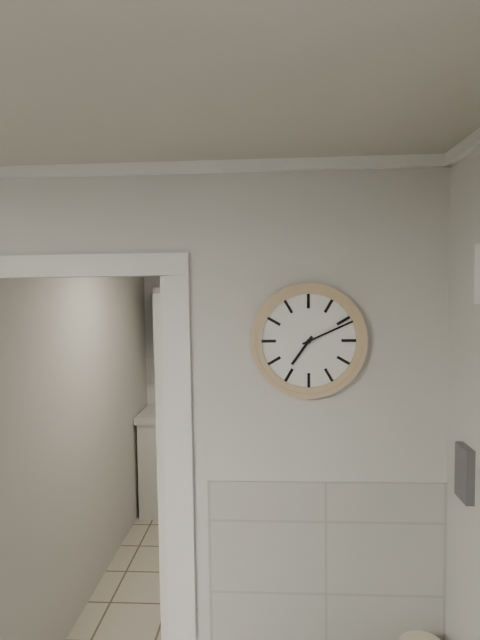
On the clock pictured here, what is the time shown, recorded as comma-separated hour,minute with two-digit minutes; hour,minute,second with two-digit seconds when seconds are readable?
7,11
